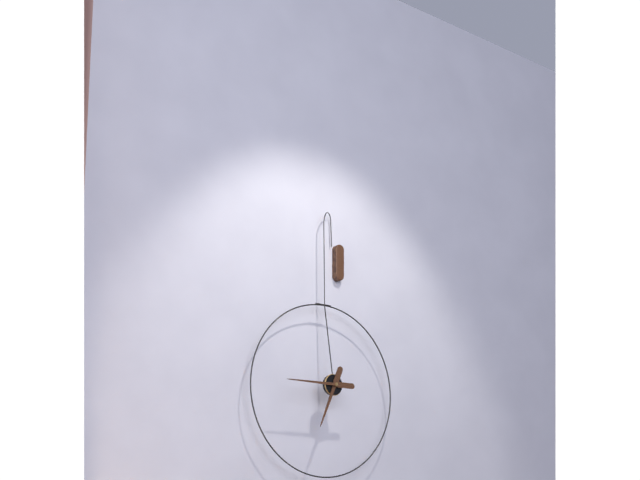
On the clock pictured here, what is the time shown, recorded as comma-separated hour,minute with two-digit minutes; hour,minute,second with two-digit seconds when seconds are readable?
6,45
